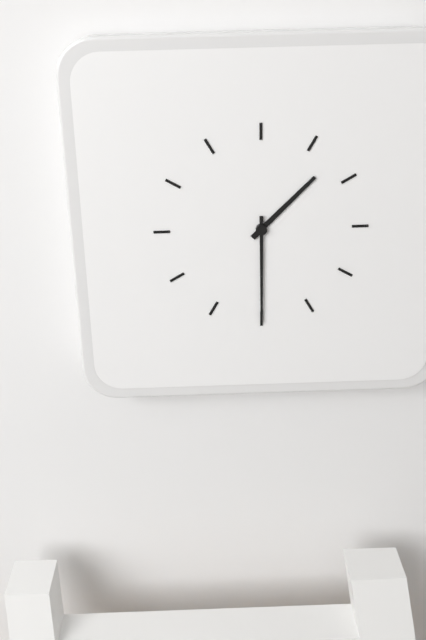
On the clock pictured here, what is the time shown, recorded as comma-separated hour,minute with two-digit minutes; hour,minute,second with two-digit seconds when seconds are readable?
1,30
